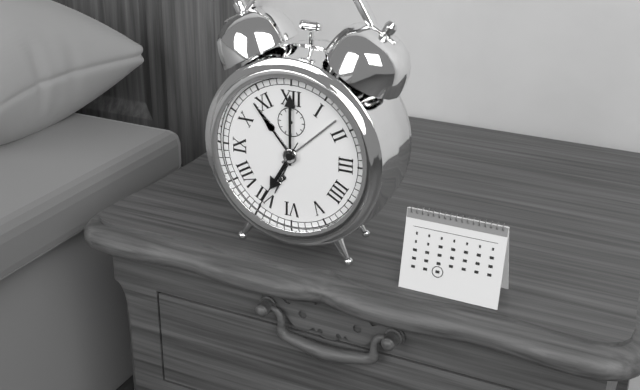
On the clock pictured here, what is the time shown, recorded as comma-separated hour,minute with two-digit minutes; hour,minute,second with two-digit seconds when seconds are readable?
7,00,35
